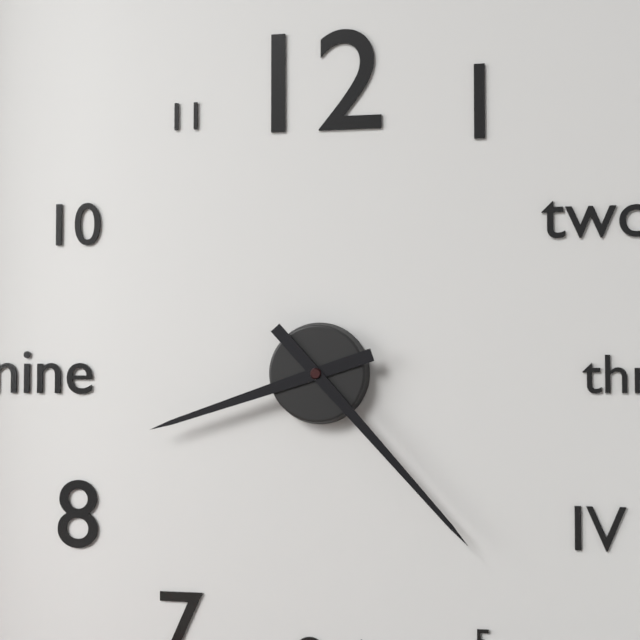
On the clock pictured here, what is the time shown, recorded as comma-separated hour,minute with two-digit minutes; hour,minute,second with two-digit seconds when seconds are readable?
8,23
